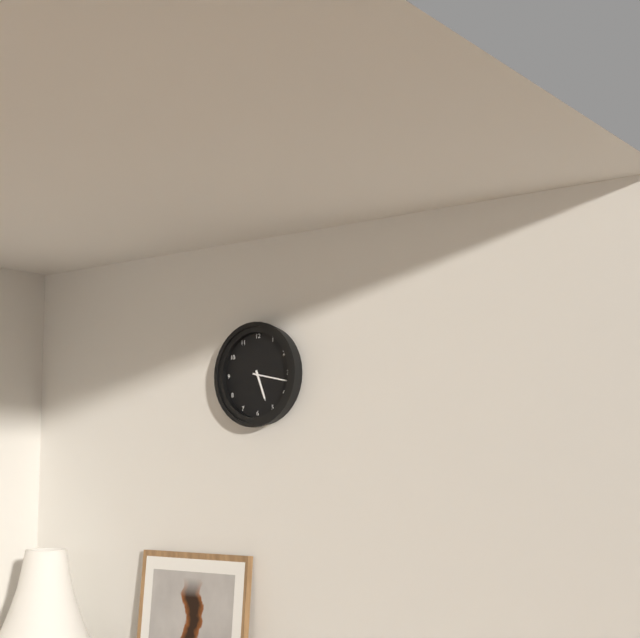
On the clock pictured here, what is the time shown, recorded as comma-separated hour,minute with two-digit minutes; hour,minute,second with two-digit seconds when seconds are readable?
5,17
